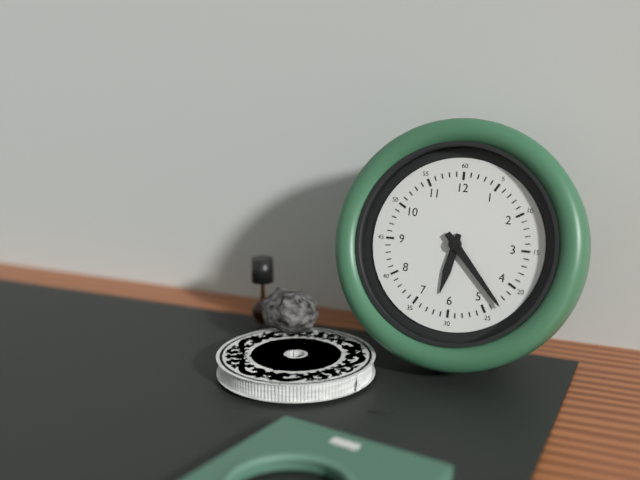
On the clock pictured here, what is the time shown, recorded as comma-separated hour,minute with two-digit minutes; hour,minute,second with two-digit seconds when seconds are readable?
6,23
